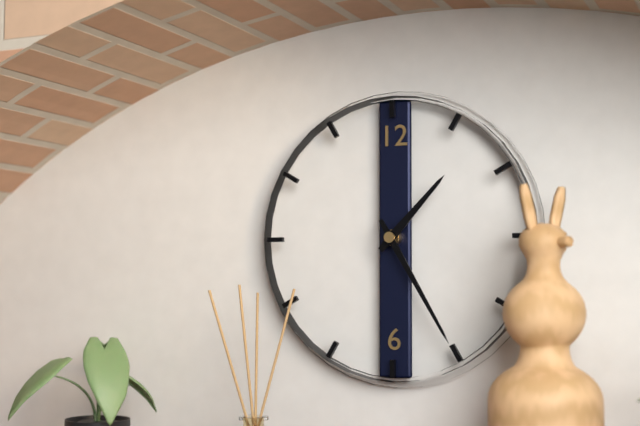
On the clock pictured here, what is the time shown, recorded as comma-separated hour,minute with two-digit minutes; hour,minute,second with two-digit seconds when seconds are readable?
1,25
